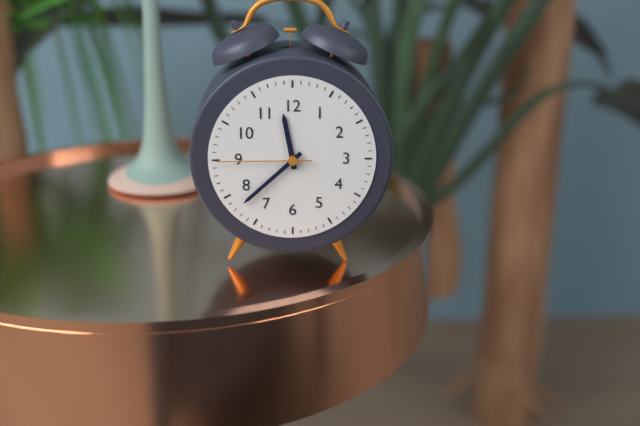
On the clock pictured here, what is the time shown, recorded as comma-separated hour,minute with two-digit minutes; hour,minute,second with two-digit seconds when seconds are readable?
11,38,45
